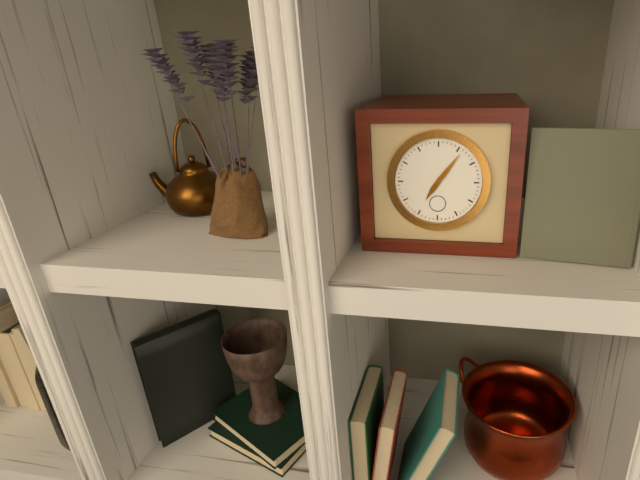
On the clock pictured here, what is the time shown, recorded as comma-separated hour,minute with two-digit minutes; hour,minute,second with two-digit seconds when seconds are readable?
7,06
